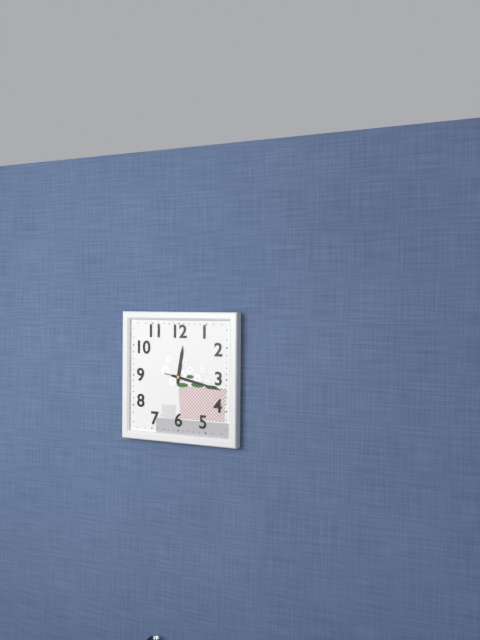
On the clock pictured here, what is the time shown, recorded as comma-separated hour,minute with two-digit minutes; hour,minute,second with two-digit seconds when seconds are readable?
12,17,17
